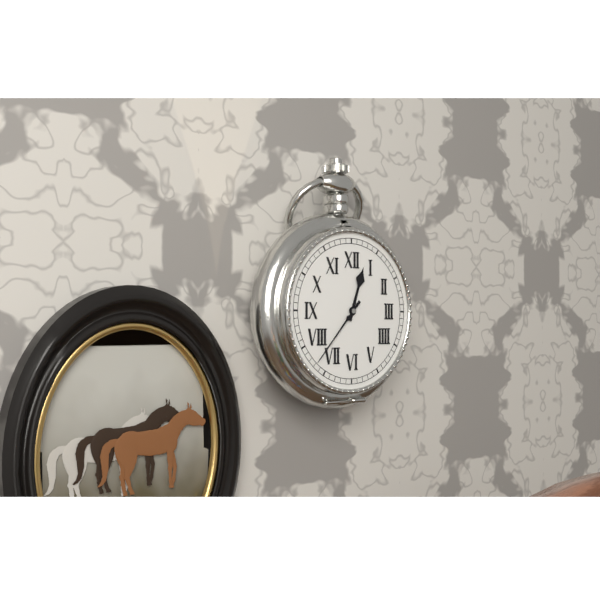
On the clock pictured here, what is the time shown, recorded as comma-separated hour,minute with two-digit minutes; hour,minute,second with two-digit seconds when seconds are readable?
12,37
